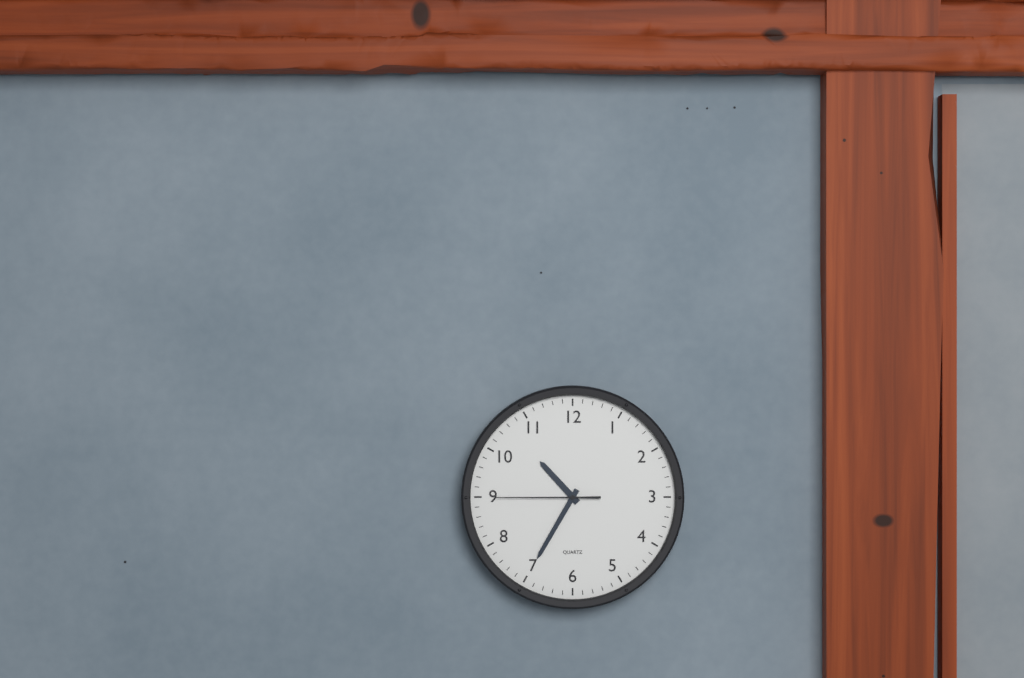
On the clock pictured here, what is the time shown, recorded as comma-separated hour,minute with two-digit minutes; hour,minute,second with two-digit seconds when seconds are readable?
10,35,45
